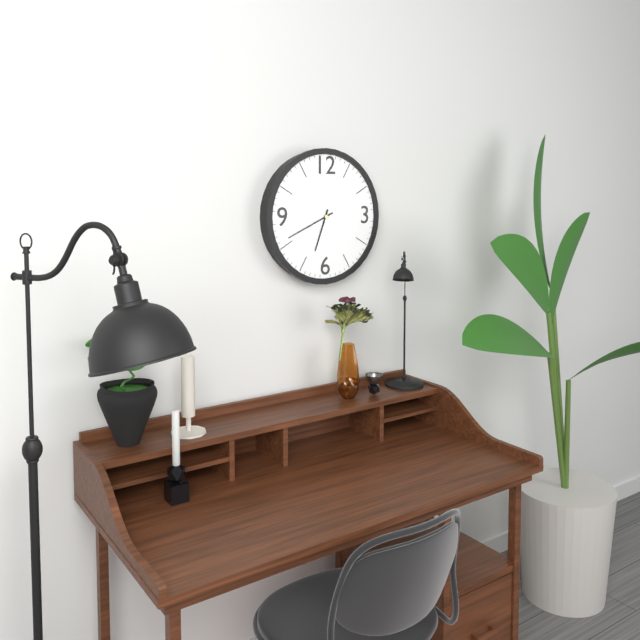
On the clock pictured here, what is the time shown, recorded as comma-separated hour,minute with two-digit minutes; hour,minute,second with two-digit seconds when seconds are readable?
6,41
